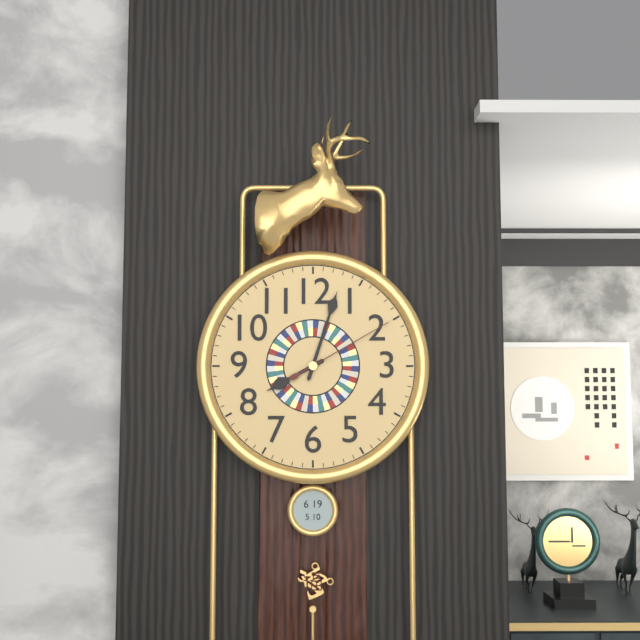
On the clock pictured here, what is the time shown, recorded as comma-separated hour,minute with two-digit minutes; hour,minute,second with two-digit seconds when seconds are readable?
8,03,10
